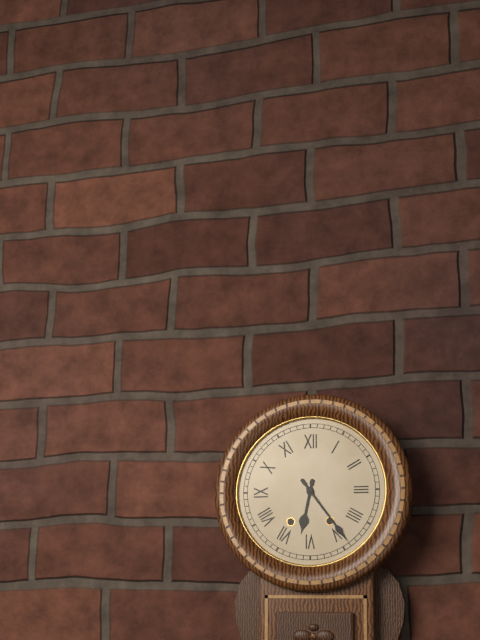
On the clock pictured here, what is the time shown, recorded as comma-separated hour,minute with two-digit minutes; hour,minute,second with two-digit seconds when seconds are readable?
6,24
